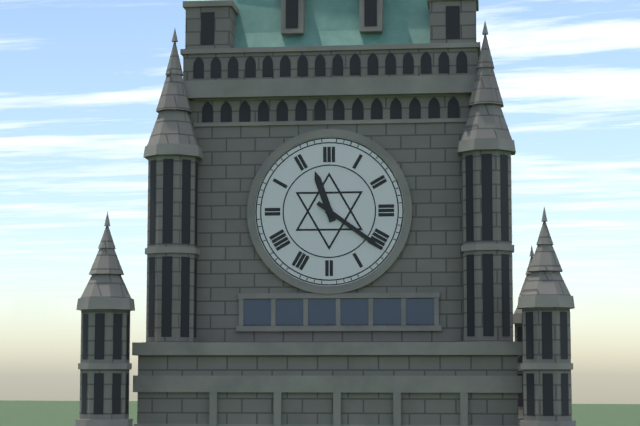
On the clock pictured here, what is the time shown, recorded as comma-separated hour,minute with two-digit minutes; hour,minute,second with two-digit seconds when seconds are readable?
11,21
